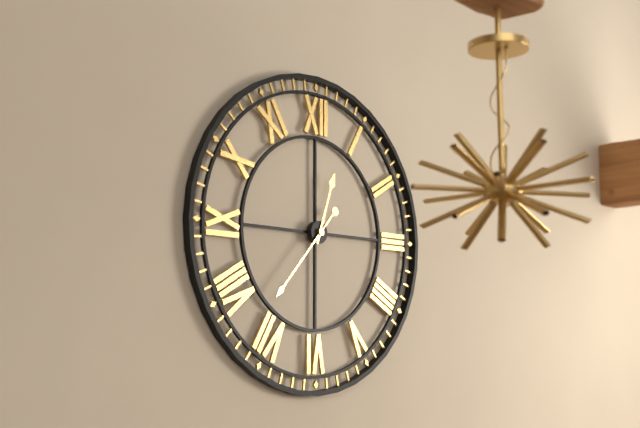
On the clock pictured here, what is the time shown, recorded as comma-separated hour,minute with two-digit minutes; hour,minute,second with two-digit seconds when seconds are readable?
12,37
